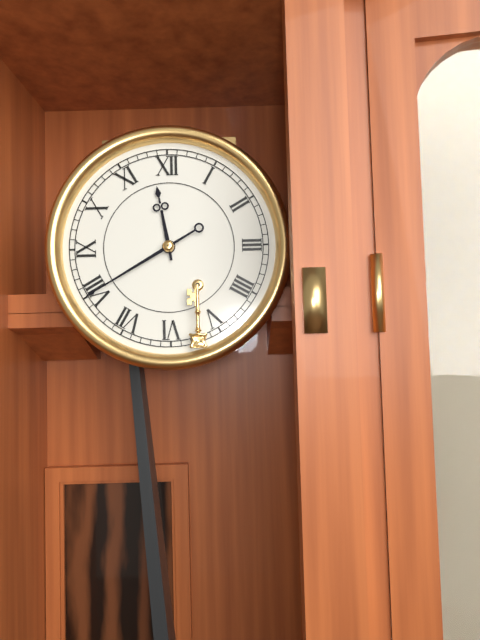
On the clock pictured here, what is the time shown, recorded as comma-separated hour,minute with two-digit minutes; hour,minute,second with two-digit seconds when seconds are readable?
11,40
